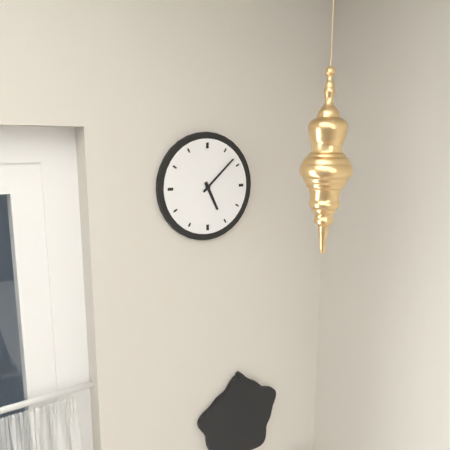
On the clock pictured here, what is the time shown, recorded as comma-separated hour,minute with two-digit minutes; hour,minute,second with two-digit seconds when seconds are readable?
5,08
